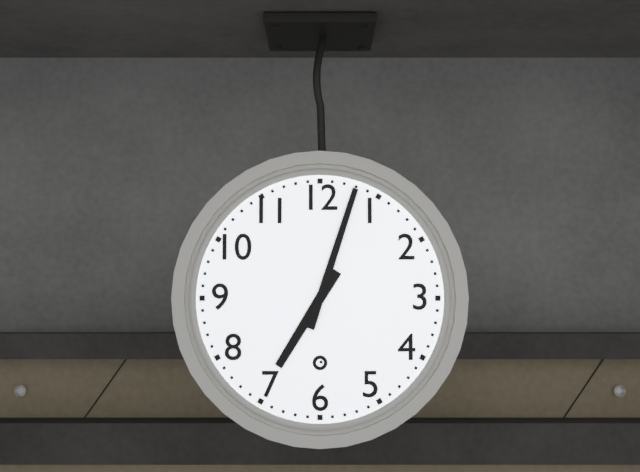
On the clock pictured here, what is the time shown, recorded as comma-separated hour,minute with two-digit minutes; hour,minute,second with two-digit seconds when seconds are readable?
7,03
